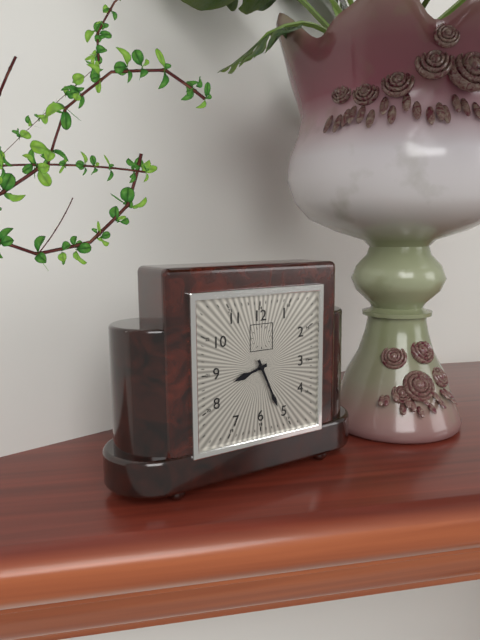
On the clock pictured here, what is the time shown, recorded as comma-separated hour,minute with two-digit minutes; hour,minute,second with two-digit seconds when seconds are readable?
8,26
